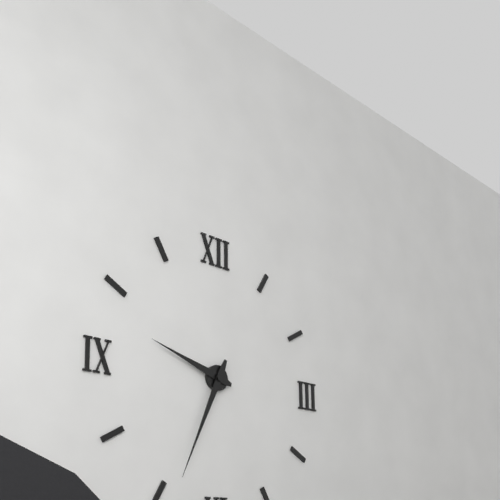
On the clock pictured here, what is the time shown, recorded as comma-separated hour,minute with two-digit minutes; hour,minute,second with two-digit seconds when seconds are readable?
9,34
